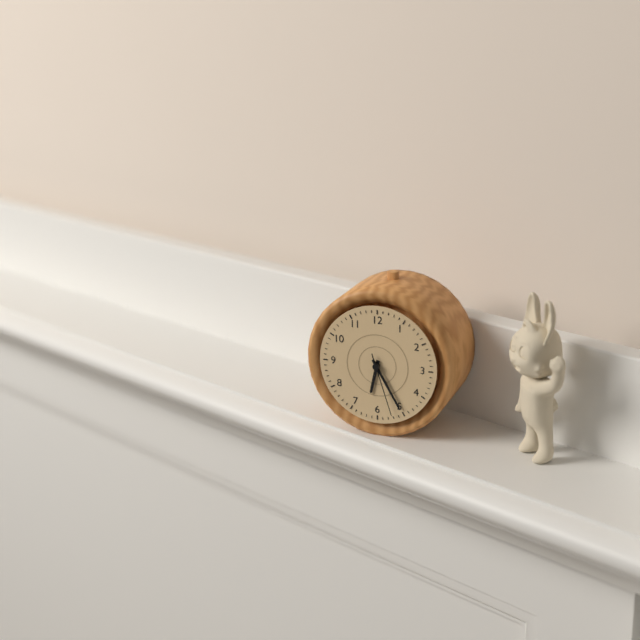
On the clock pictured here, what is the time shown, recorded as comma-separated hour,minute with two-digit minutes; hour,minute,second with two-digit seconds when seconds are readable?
6,25,27
